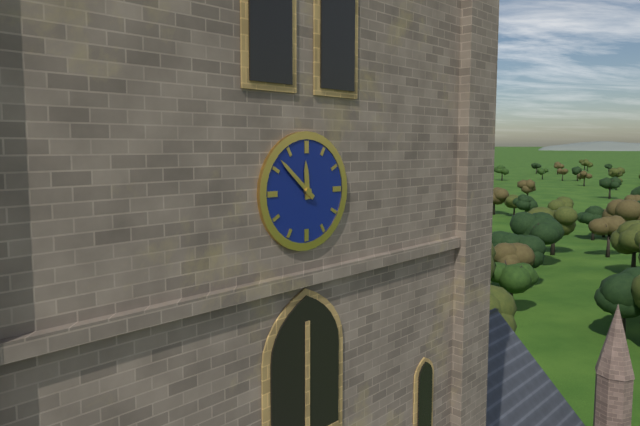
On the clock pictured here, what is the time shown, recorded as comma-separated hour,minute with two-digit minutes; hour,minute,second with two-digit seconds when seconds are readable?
11,52
